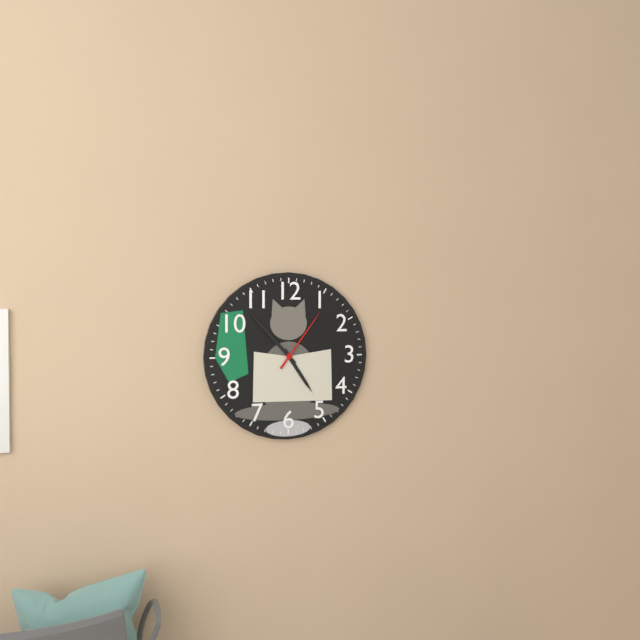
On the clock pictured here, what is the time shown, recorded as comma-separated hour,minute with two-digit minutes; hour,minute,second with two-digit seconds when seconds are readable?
4,53,06
